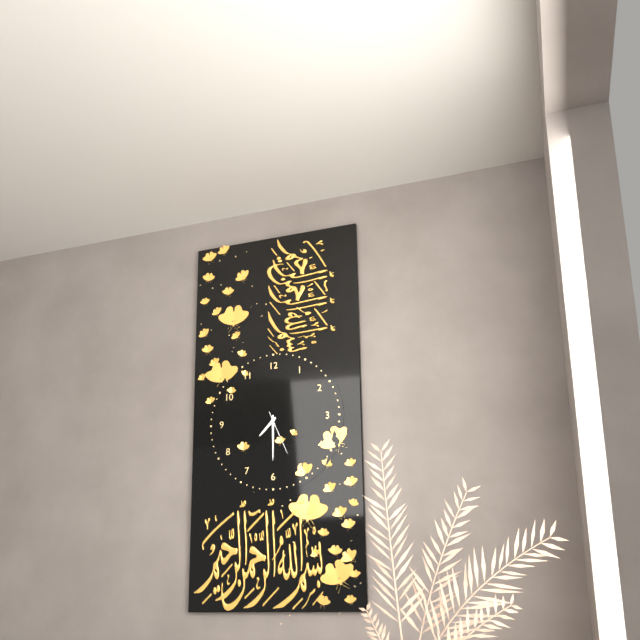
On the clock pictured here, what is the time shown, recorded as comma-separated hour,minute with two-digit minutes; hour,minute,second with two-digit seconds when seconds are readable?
7,30
